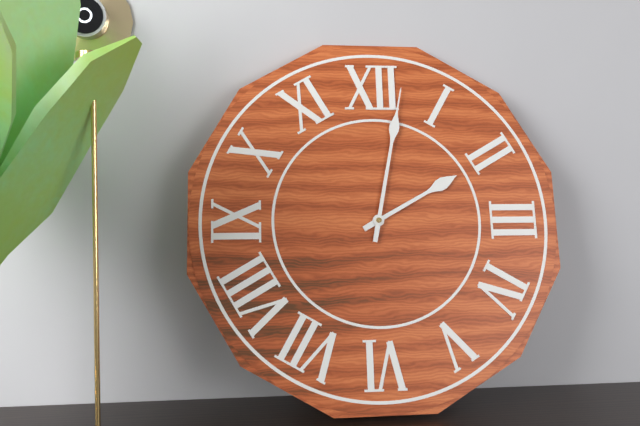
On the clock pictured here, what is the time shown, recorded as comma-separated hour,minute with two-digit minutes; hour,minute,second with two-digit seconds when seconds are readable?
2,02
